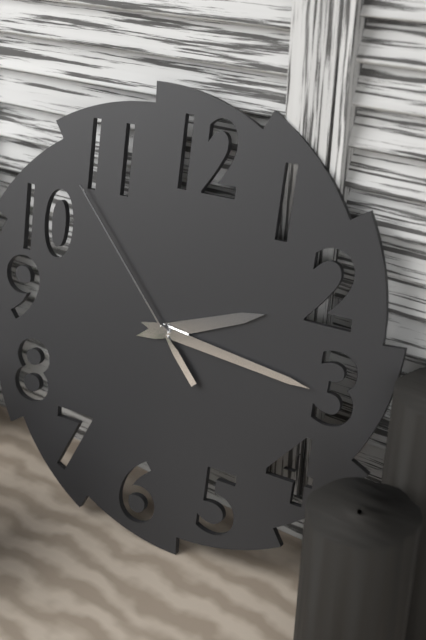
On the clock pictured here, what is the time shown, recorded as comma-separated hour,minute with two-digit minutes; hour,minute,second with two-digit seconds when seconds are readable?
2,16,53
